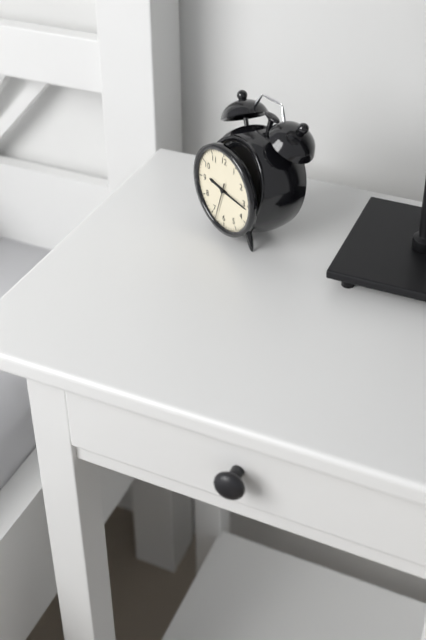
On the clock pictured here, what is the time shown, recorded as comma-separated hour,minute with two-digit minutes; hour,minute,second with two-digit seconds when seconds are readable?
9,16
